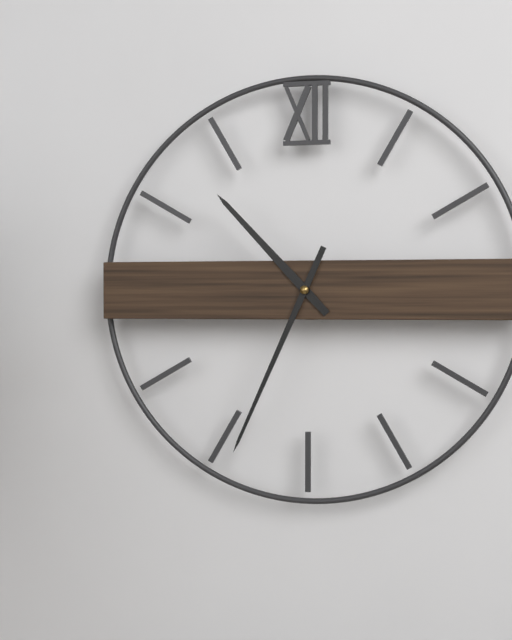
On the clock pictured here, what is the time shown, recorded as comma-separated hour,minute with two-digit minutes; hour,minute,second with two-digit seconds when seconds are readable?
10,34
